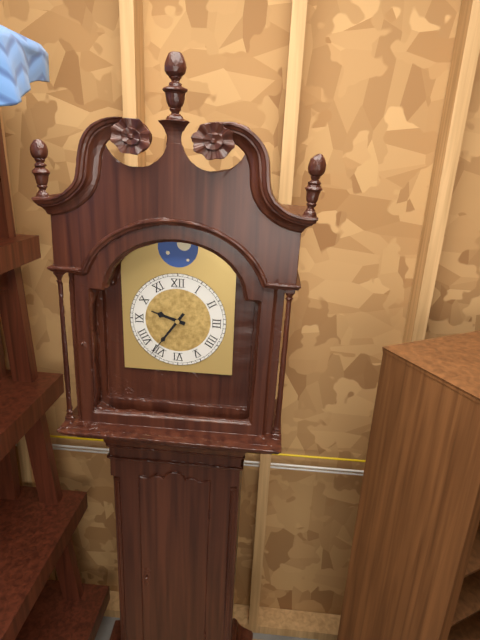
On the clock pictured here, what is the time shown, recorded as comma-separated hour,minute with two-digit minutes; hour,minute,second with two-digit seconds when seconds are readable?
9,36
